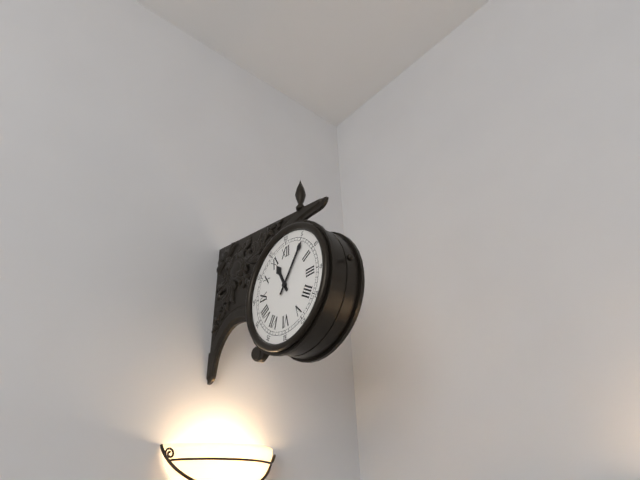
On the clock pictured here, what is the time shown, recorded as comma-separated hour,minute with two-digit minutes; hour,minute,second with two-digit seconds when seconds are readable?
11,06
